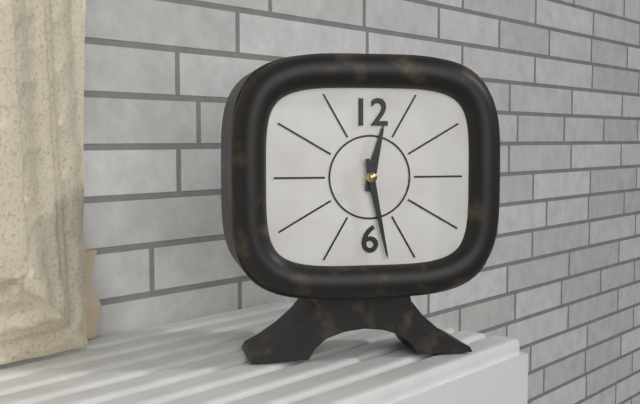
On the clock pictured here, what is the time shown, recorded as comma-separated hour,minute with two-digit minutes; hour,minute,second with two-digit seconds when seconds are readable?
12,28
